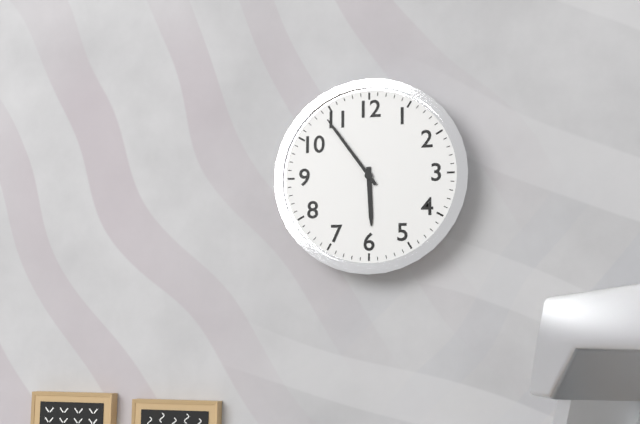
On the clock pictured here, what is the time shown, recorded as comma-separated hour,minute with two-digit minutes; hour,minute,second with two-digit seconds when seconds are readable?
5,54
